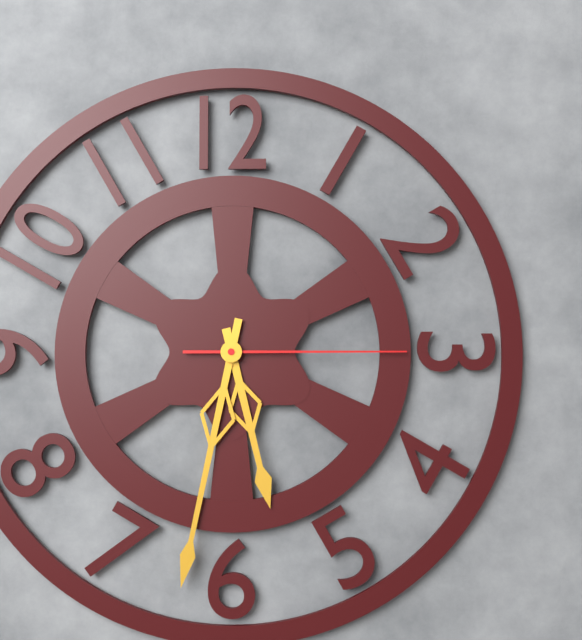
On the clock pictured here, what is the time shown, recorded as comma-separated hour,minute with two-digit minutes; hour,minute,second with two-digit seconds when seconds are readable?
5,32,15
